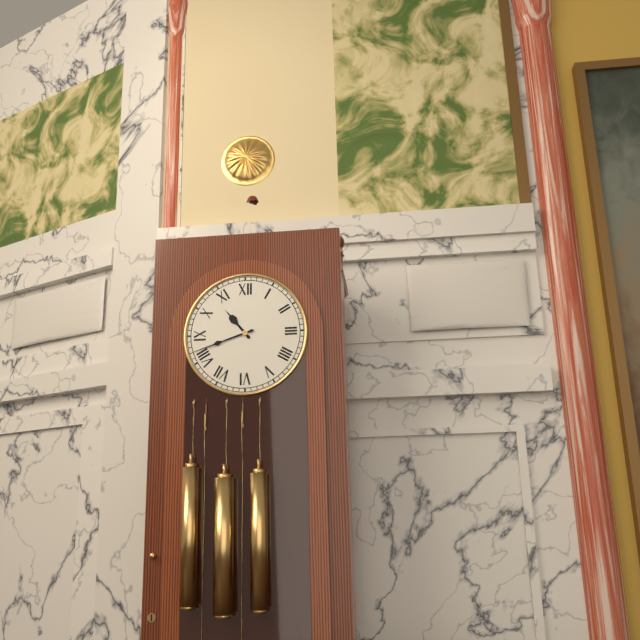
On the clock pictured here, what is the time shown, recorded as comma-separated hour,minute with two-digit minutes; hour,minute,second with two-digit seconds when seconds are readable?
10,42
